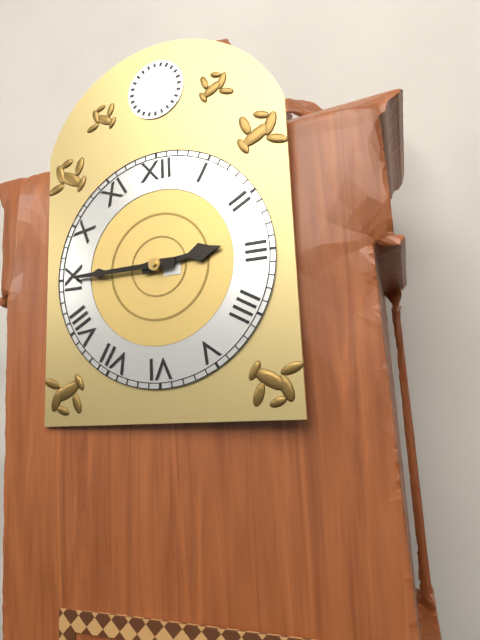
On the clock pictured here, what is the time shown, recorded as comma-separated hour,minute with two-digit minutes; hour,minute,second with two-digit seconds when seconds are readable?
2,45
